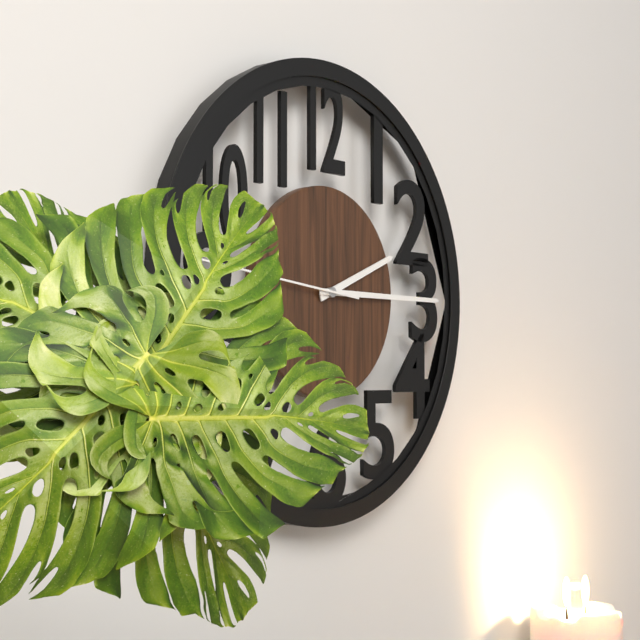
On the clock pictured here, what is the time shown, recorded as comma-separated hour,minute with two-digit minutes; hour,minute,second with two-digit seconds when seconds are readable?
2,15,46
